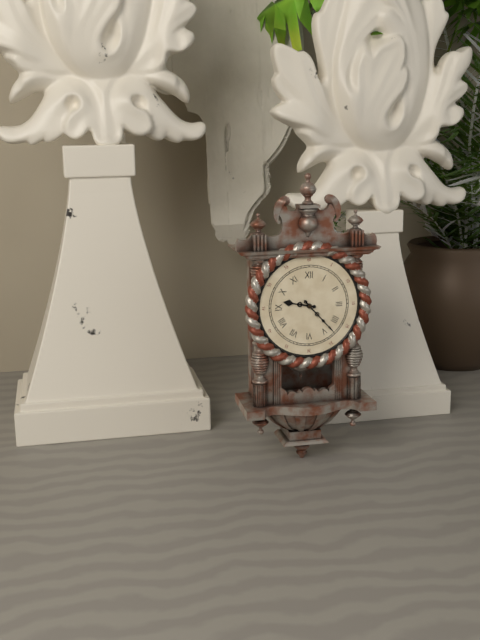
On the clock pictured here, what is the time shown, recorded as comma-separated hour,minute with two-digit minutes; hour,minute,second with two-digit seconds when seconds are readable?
9,23
